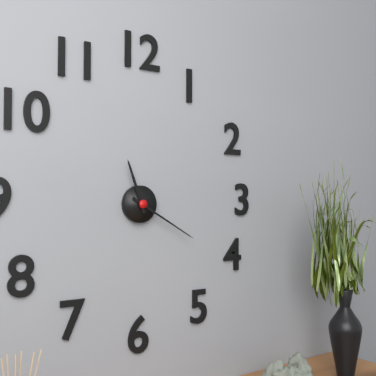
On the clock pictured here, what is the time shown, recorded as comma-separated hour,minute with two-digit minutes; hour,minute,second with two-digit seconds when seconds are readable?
11,20
